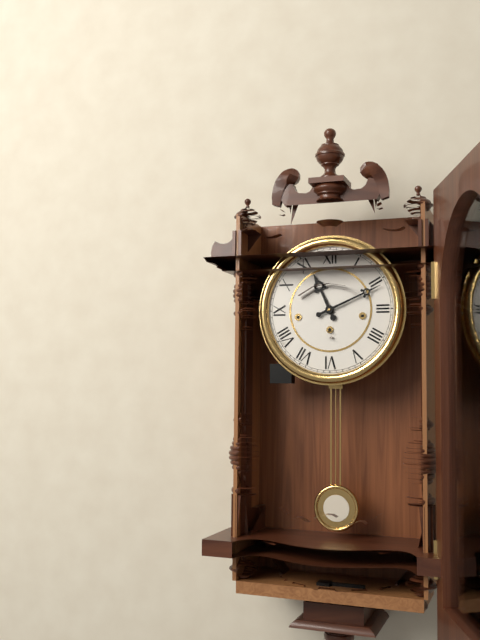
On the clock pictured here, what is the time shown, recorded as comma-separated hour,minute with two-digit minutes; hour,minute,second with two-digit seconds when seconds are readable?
11,11
